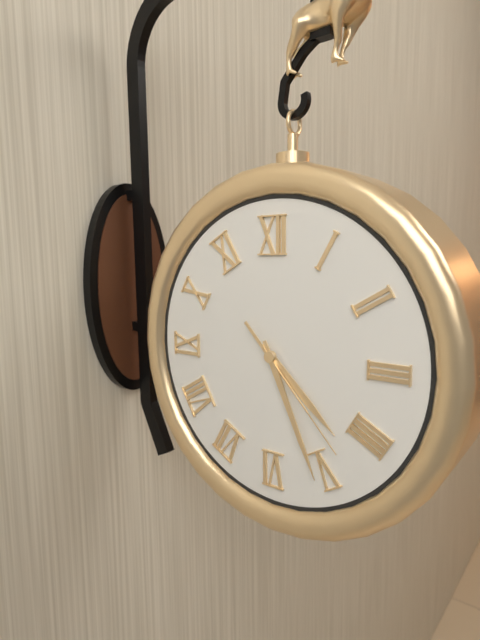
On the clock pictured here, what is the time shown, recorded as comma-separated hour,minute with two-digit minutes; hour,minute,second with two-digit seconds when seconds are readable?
4,26,23
